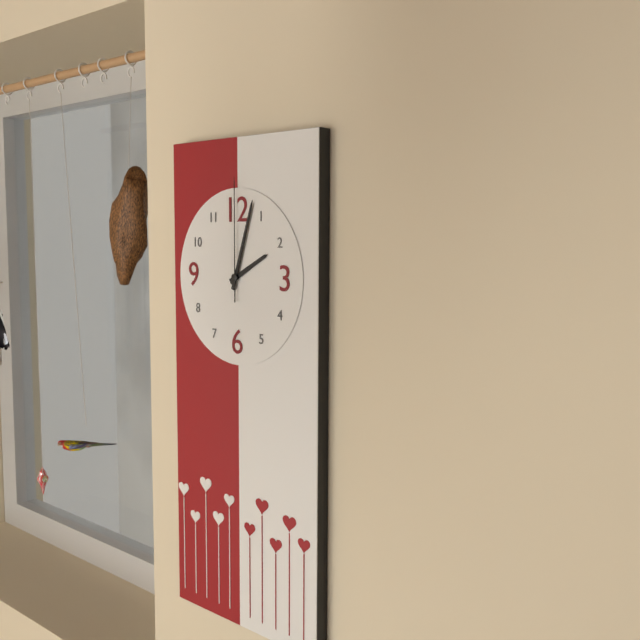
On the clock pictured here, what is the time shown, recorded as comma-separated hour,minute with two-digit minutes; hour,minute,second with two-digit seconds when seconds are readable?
2,03,00
